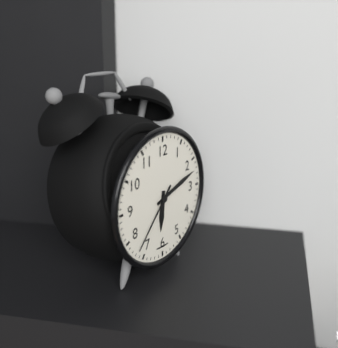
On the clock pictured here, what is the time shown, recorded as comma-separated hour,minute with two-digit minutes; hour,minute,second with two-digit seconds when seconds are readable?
6,12,37
